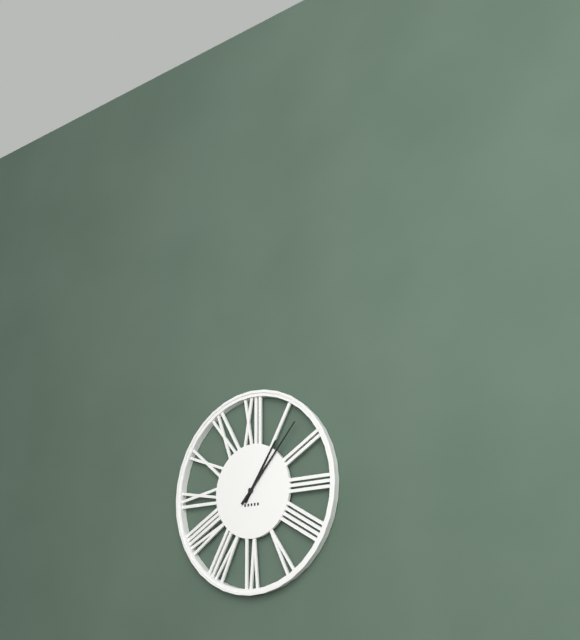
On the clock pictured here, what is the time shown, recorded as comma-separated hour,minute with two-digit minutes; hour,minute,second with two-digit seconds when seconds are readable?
1,07
